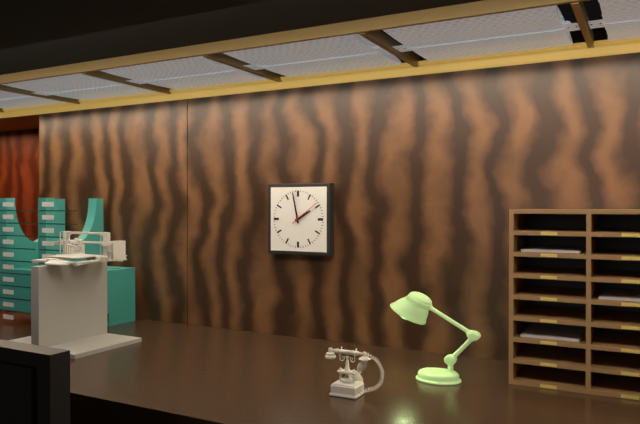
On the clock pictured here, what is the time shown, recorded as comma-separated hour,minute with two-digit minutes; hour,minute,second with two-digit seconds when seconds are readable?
1,58
